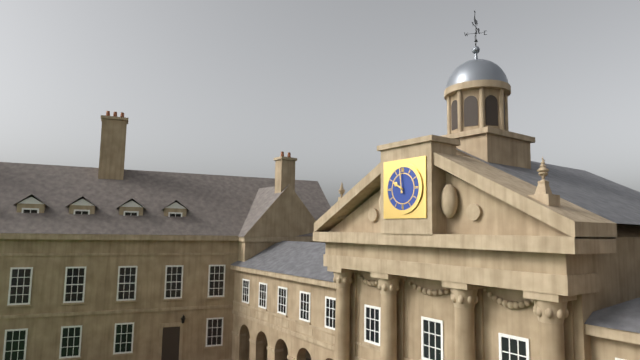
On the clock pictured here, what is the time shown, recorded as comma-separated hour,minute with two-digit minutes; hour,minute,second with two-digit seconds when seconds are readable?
9,59
